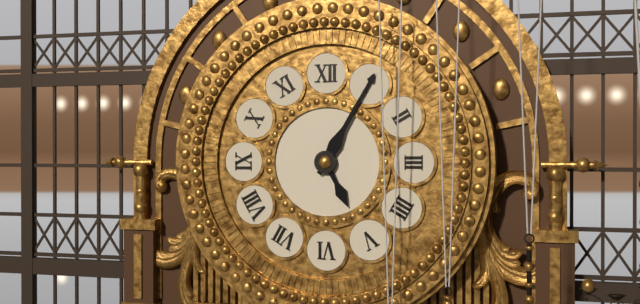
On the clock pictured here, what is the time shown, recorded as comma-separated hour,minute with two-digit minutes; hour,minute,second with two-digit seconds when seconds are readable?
5,05
